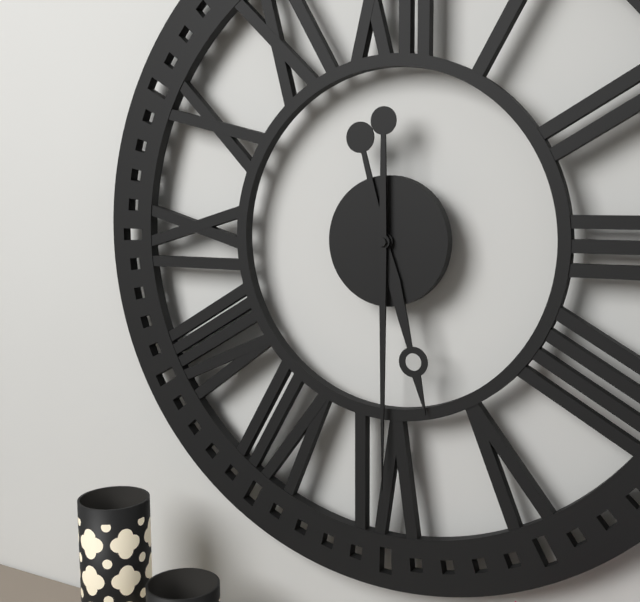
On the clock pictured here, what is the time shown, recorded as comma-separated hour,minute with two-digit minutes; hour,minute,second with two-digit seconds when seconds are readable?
5,30
